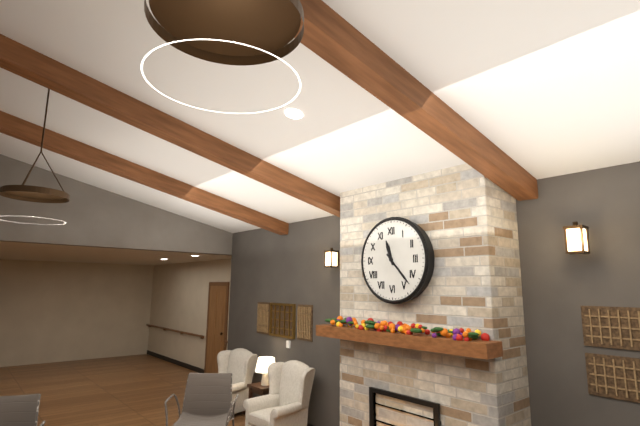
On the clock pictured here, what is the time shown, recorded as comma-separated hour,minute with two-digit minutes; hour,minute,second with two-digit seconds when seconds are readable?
11,23
